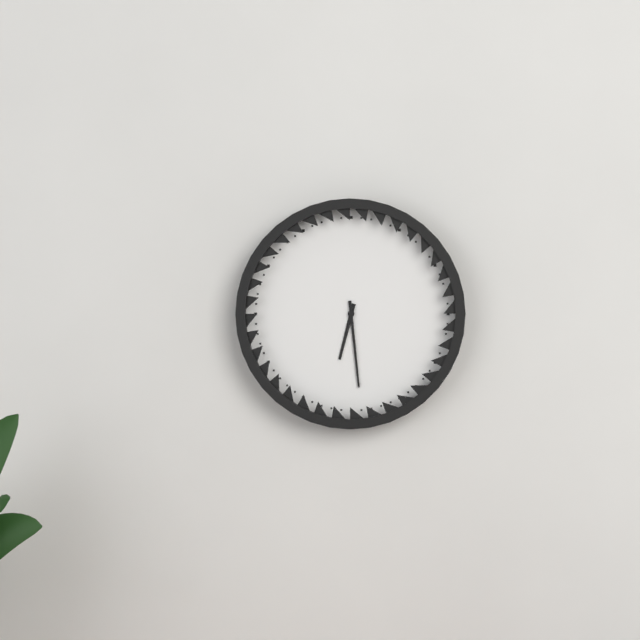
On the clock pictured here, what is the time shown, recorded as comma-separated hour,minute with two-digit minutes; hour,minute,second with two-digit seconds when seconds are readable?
6,29
